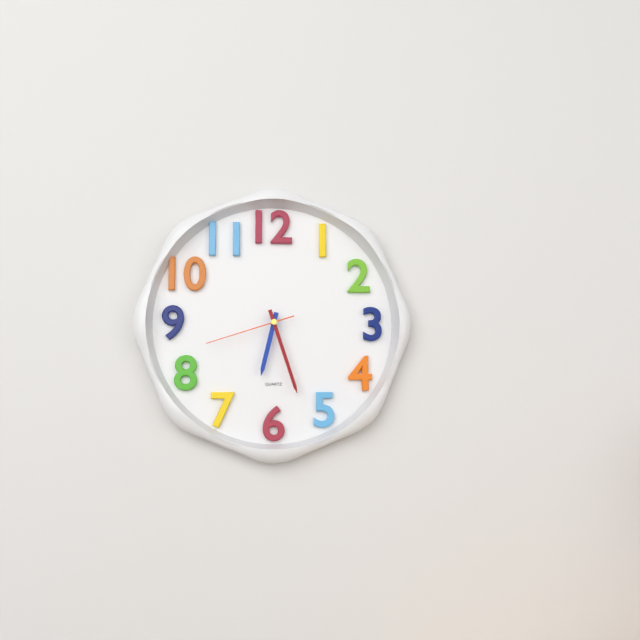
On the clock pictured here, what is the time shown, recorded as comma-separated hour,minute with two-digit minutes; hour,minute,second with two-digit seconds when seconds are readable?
6,27,42
